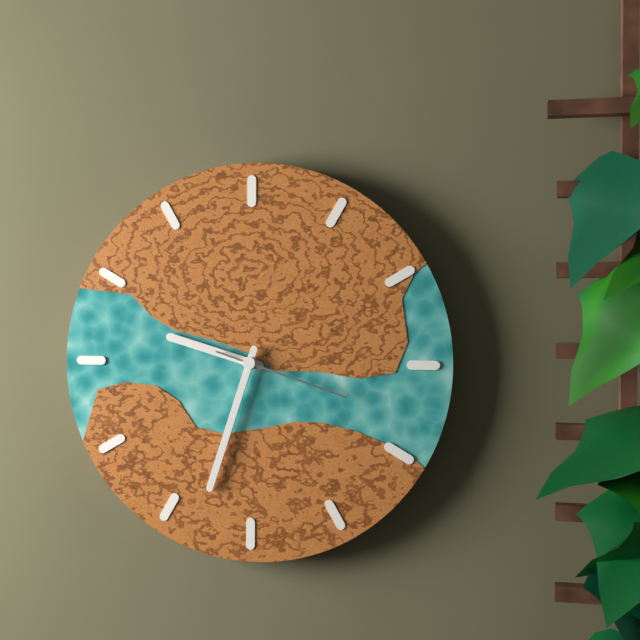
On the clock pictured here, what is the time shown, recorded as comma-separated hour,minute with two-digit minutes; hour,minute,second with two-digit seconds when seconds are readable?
9,33,18
